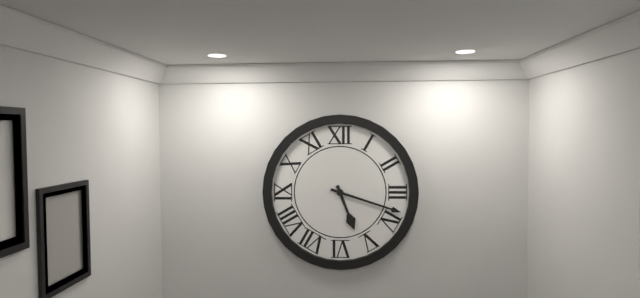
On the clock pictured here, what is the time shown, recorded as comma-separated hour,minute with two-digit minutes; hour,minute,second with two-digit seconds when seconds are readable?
5,18
